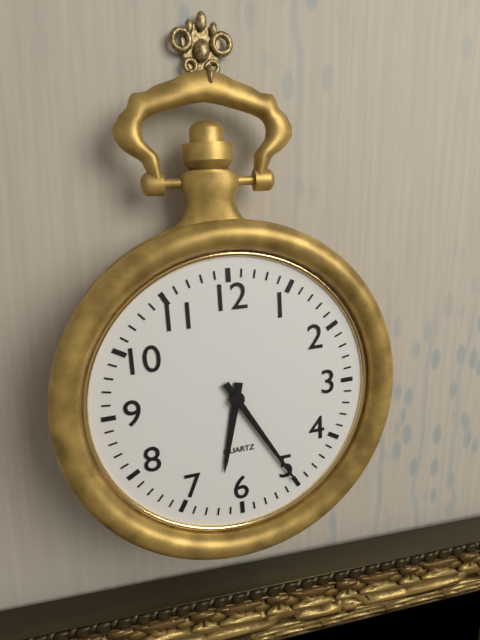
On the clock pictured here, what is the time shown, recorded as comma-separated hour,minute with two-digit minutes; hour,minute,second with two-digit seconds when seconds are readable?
6,25
